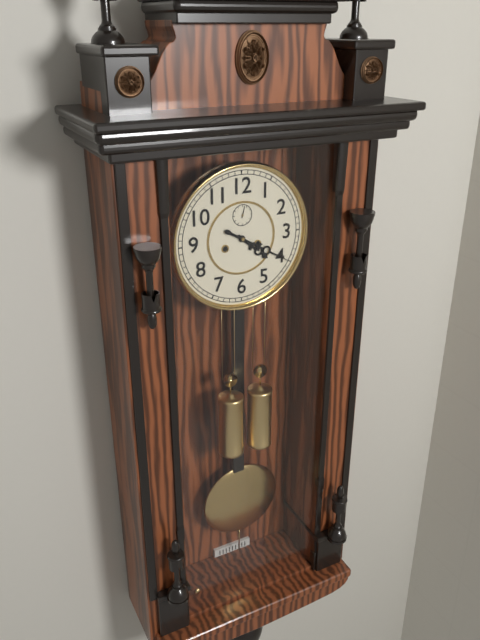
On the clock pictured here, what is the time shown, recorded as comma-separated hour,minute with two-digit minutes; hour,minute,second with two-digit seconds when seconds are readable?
4,20
